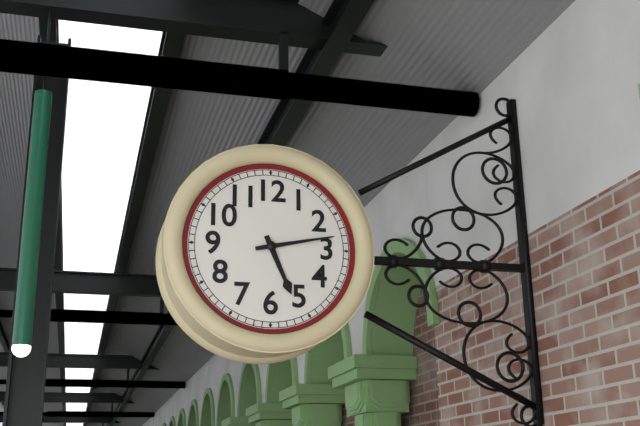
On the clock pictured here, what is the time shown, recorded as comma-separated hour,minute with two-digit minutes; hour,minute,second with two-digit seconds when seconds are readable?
5,13
